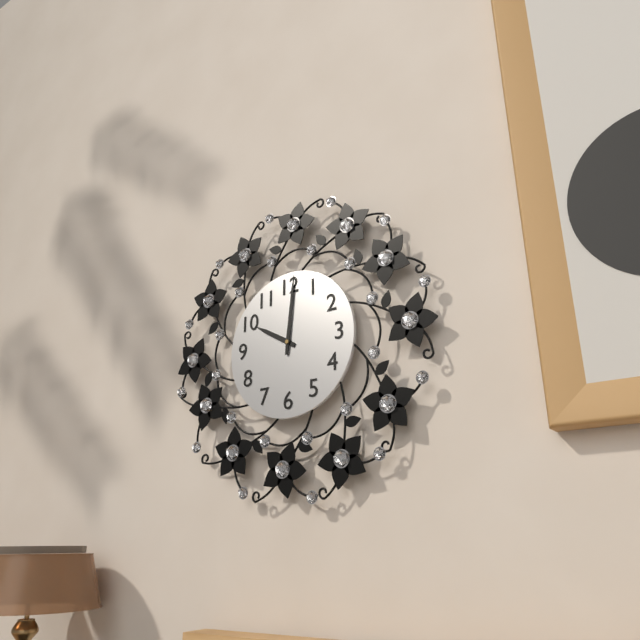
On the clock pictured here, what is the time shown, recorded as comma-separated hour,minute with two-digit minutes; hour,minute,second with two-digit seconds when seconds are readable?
10,01
